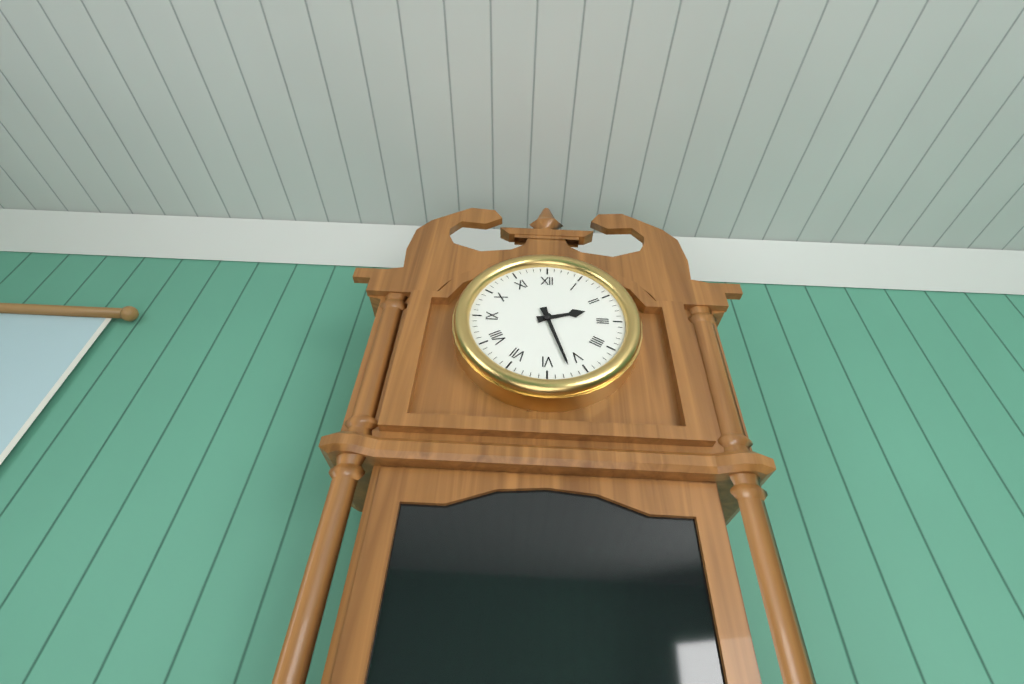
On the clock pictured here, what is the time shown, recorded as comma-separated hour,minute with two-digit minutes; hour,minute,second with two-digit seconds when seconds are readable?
2,27
